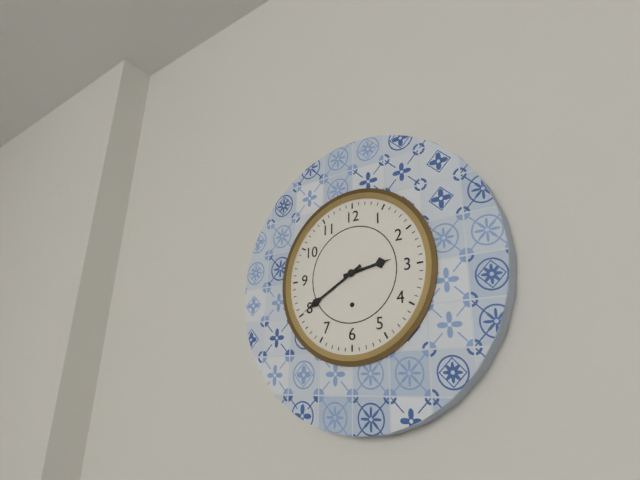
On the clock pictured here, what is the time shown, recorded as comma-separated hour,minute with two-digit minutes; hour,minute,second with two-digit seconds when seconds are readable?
2,40
